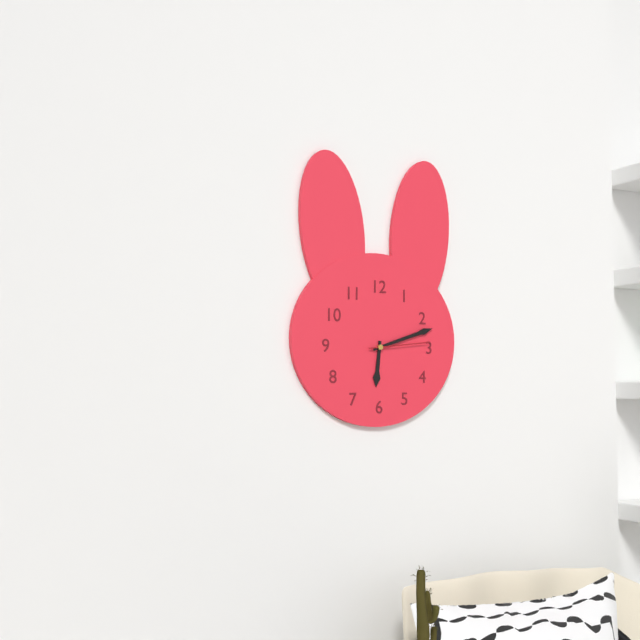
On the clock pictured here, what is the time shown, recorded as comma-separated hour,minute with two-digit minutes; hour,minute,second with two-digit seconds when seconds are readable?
6,12,14
